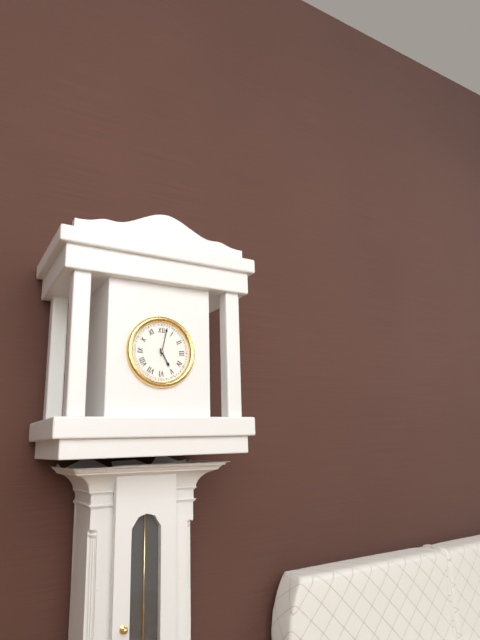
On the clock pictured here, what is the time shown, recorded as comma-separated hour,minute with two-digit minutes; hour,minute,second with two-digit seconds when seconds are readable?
5,02
